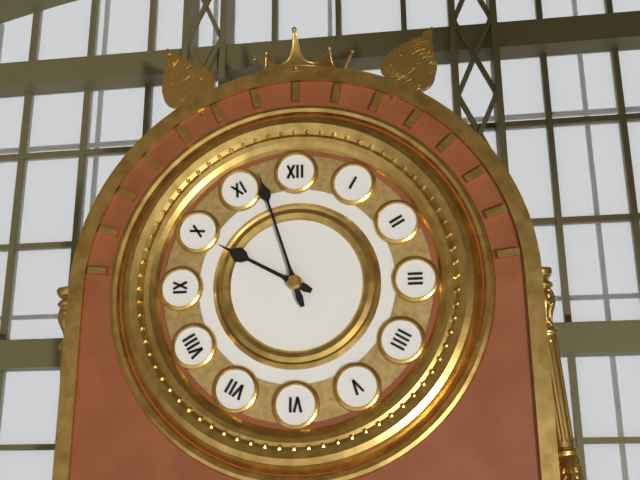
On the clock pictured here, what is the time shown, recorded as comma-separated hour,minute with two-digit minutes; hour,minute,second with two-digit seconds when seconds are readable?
9,57
